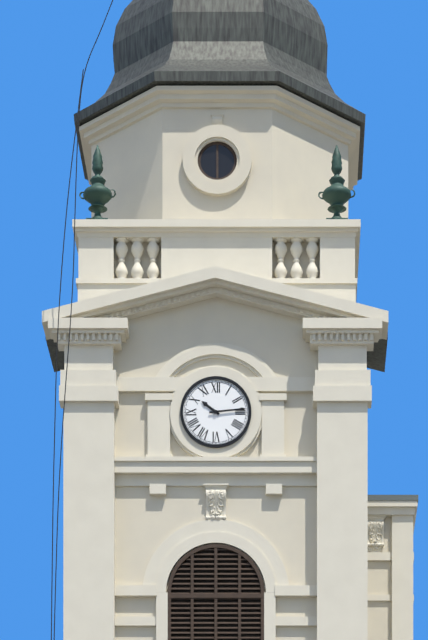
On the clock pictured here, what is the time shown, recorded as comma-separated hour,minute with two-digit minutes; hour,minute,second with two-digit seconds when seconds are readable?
10,14
